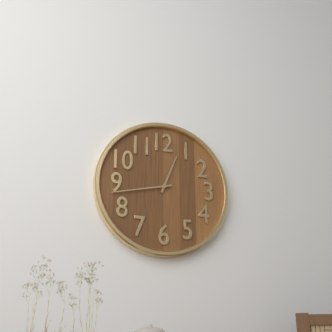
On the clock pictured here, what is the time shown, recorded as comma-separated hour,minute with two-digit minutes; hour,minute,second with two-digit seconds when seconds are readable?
12,43
